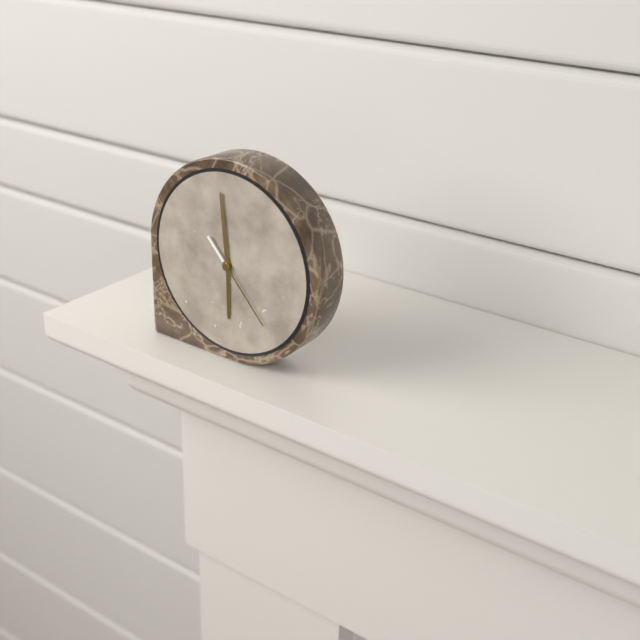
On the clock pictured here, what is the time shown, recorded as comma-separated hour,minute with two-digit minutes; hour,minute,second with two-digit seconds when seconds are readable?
5,59,23
